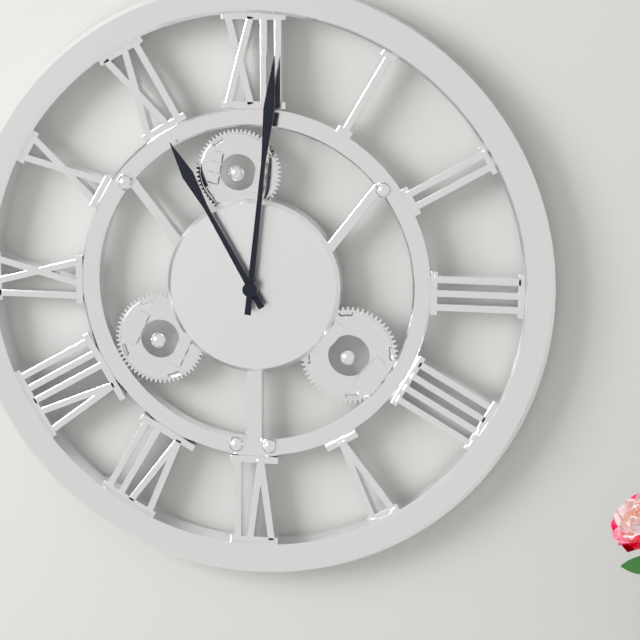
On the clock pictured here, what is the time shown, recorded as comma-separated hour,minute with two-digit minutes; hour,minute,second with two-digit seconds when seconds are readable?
11,01
